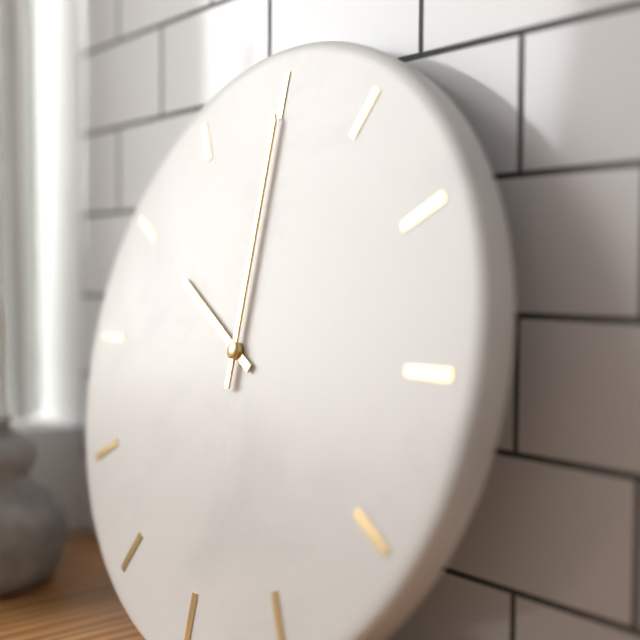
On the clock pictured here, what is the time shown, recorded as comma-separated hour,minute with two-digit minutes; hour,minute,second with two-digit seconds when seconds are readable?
10,00
